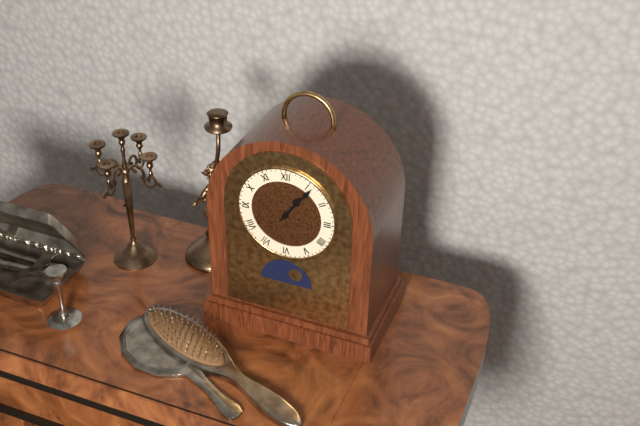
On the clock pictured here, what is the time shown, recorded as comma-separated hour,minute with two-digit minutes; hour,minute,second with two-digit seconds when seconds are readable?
1,06
